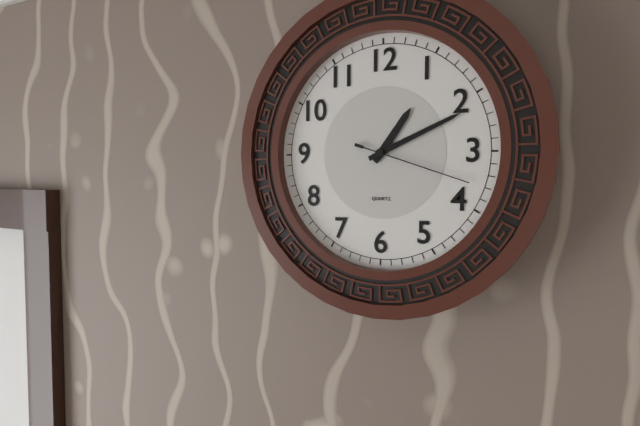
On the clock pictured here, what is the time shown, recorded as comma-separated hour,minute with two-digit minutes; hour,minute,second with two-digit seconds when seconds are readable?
1,11,18
